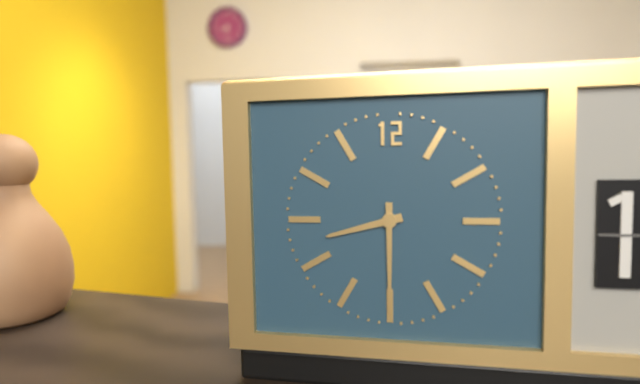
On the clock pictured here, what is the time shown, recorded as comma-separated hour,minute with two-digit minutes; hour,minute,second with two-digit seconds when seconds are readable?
8,30
